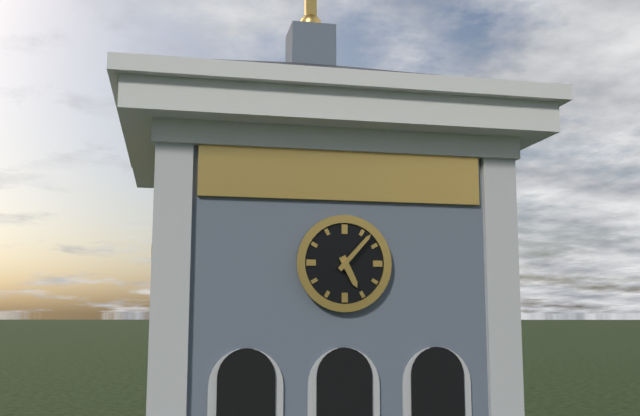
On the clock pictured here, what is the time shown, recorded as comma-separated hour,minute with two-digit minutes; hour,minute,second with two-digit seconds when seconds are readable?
5,07
